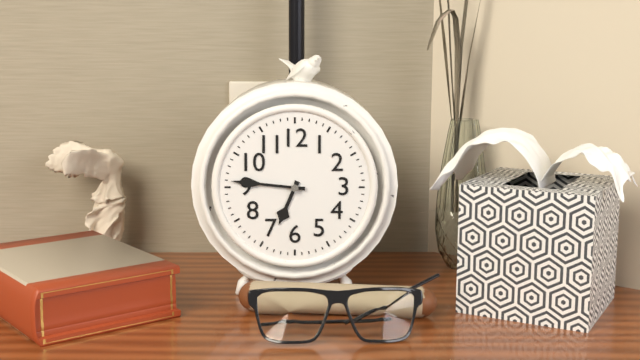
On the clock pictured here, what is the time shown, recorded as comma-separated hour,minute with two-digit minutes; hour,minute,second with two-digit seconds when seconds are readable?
6,46
